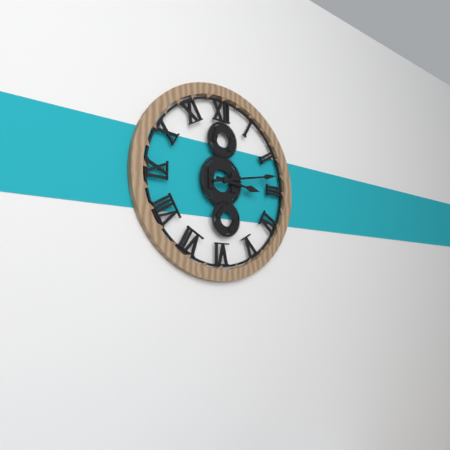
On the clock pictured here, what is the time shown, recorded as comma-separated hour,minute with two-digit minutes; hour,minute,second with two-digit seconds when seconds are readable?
3,13
